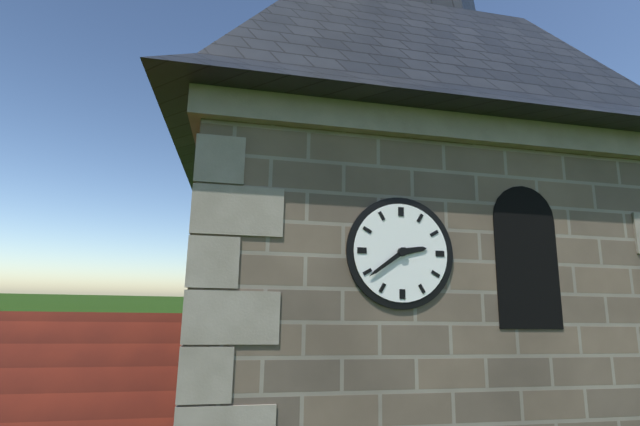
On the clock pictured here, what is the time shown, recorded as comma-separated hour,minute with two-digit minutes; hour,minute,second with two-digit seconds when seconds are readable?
2,39
